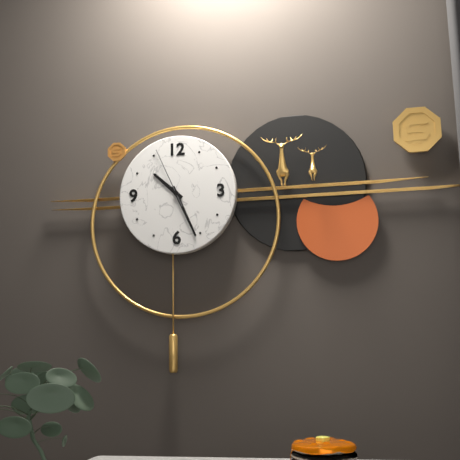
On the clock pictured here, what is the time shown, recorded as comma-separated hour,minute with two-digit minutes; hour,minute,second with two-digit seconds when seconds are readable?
10,26,56
